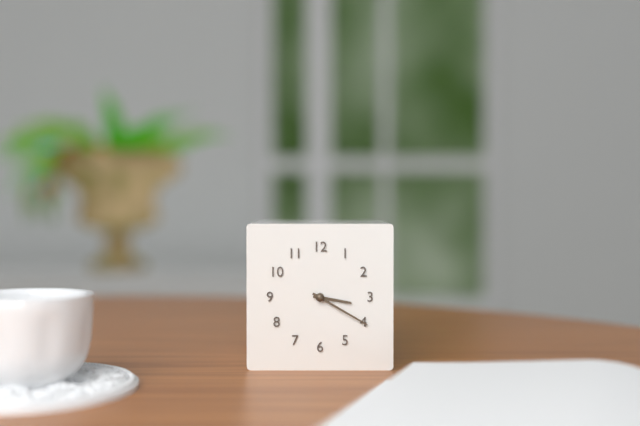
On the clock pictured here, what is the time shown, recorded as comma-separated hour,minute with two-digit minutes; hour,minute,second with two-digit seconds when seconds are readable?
3,20
